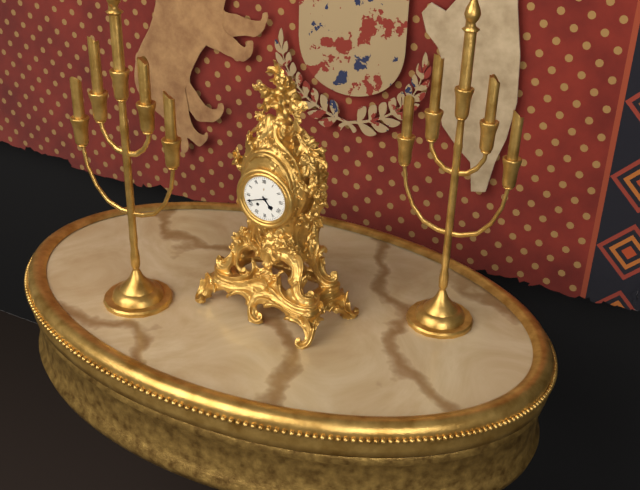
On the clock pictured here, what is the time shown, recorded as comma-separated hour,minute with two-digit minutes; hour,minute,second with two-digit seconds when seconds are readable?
4,42
